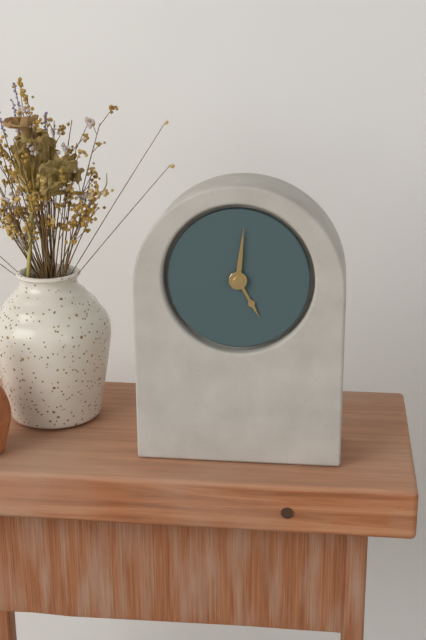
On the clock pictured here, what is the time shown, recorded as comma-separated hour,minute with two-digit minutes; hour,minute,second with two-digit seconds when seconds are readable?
5,01
